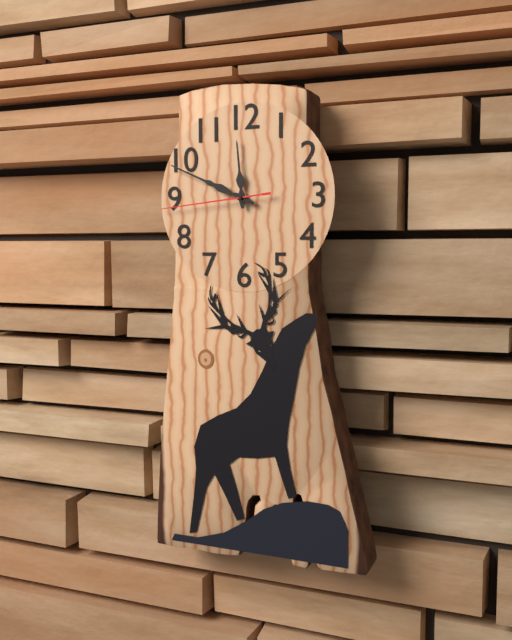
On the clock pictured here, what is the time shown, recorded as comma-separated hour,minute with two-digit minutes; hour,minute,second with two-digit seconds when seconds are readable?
11,49,44
